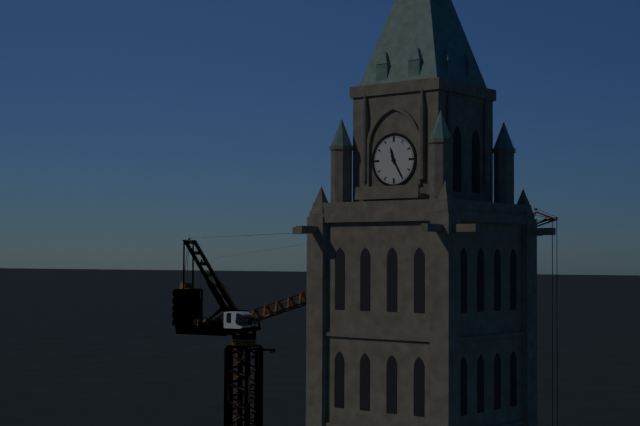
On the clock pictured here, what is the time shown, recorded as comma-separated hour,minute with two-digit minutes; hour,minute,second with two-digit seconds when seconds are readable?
11,25
